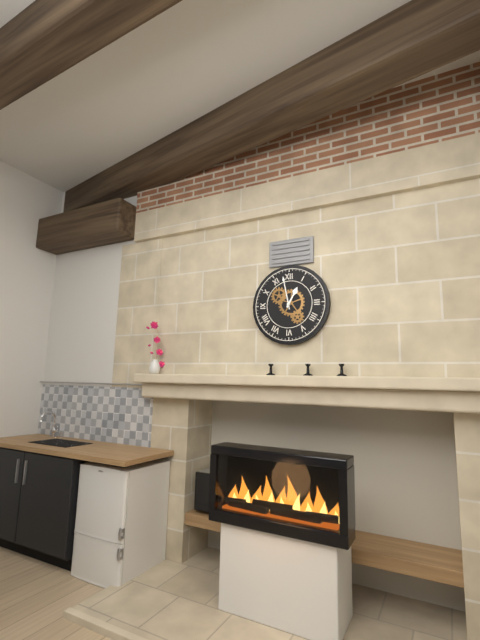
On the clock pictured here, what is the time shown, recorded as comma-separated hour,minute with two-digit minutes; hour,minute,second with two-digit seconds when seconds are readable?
12,58
